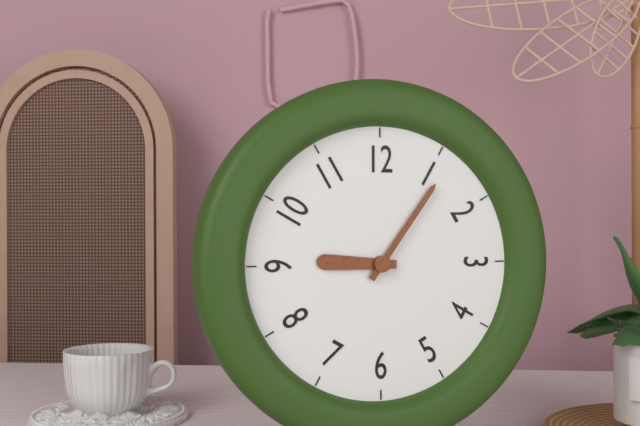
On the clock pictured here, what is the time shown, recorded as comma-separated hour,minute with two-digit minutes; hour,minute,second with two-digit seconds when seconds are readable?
9,06
